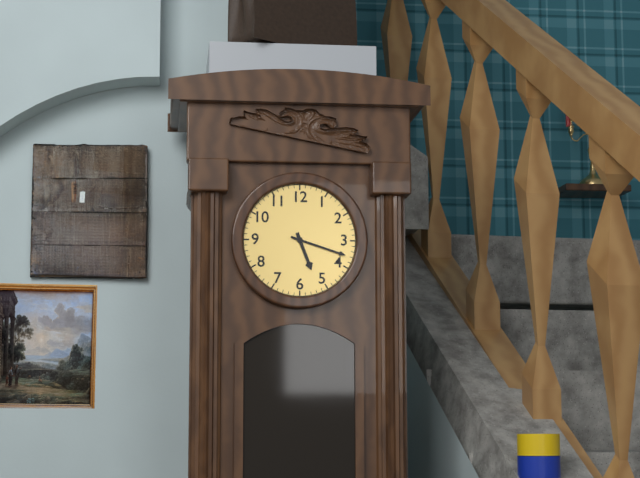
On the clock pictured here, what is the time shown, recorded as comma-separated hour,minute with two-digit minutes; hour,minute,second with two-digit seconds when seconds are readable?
5,18
